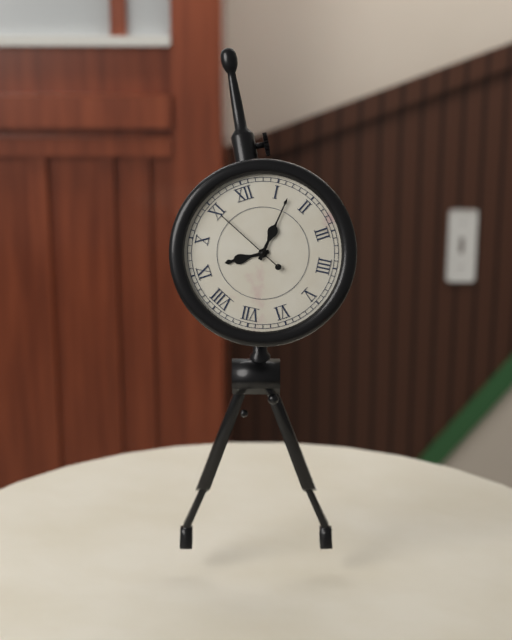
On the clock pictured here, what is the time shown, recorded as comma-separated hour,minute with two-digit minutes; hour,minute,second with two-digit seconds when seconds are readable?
9,07,55
